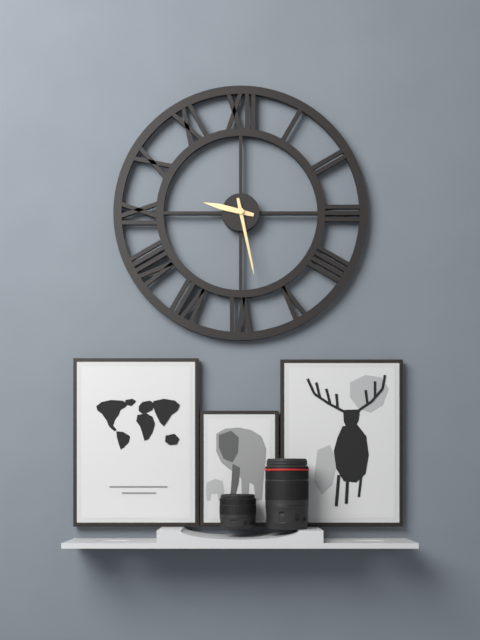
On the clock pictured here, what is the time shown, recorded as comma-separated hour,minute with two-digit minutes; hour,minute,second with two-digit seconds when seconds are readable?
9,28
